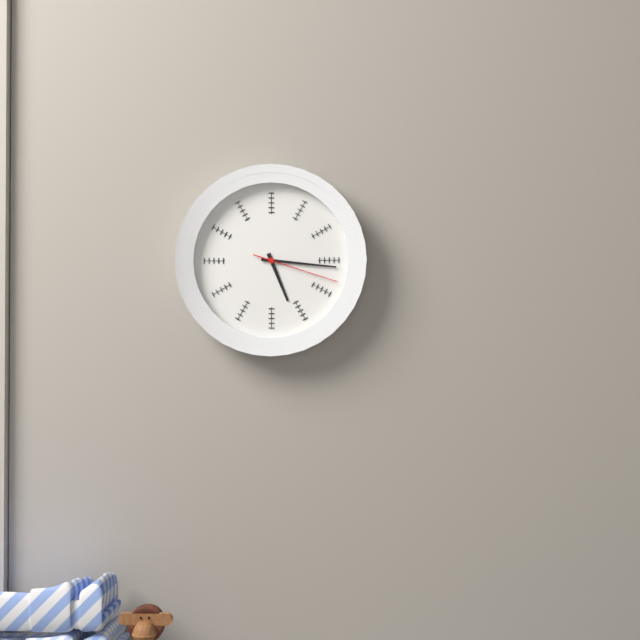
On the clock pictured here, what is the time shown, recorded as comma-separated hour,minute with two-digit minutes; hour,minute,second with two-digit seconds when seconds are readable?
5,16,18
